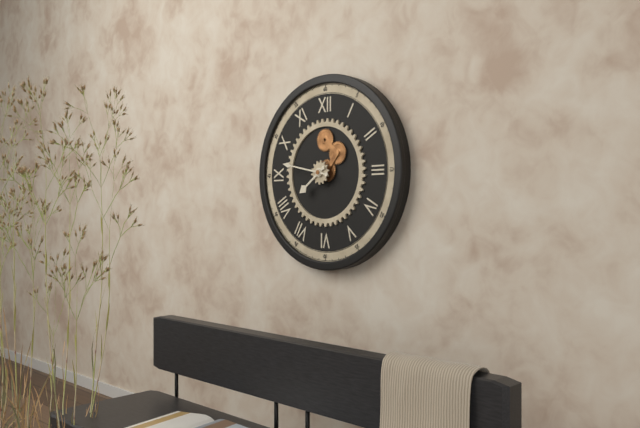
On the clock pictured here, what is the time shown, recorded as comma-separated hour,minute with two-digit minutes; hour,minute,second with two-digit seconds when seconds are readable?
7,47
